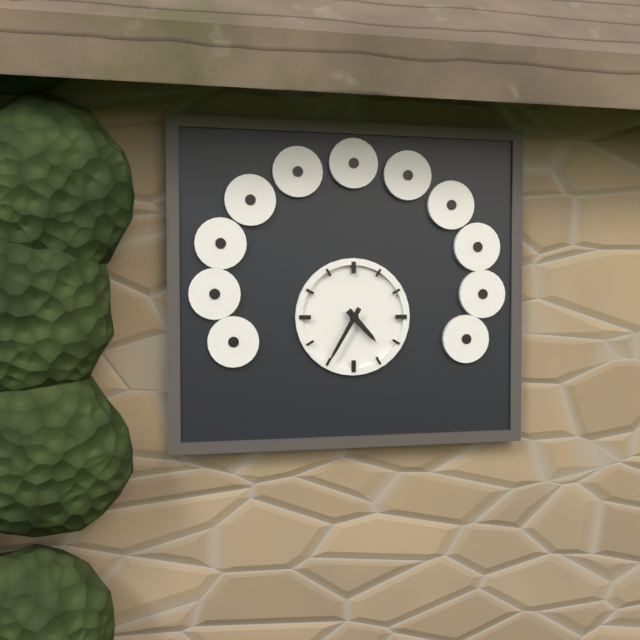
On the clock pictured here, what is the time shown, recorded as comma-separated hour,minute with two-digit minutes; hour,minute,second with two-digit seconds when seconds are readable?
4,35
